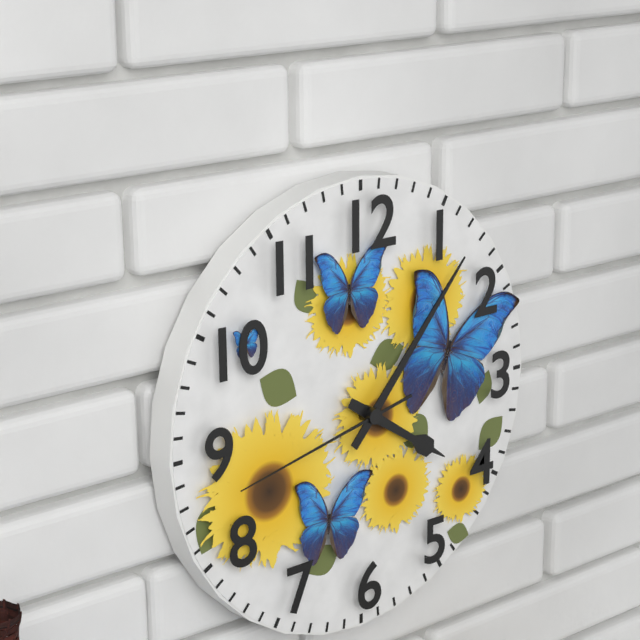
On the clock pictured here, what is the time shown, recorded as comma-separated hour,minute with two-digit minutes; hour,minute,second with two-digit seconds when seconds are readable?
4,07,43
